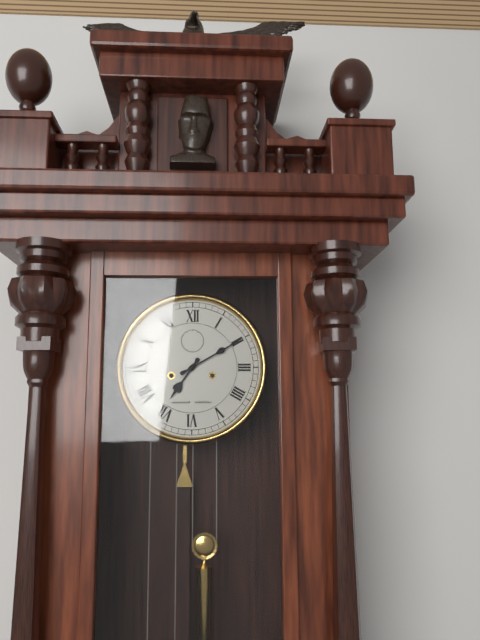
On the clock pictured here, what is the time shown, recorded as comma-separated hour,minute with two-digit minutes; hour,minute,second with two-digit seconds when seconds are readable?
7,10
